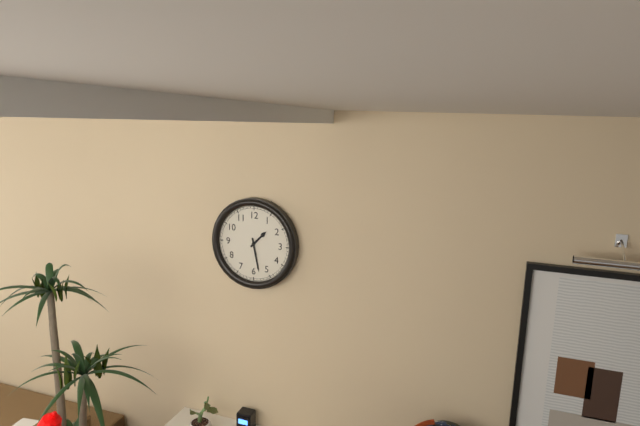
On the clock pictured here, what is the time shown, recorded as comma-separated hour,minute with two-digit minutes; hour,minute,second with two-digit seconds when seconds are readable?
1,28
